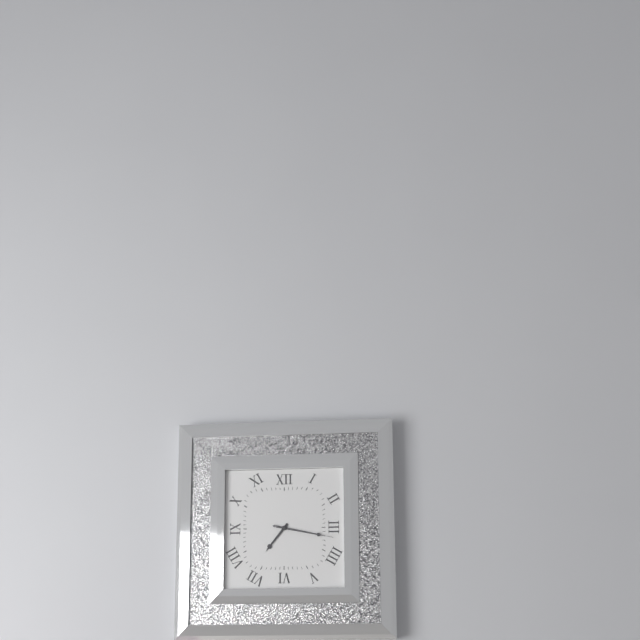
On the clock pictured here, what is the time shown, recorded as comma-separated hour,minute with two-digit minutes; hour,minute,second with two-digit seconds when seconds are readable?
7,17,17
